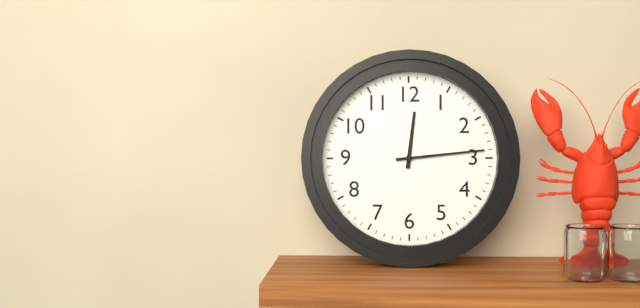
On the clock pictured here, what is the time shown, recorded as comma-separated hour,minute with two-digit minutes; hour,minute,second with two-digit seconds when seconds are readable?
12,14
